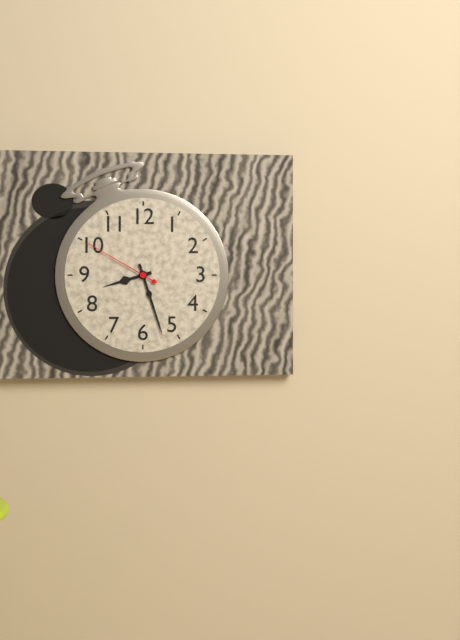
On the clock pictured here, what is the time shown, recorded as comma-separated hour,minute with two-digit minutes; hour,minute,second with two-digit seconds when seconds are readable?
8,27,50
